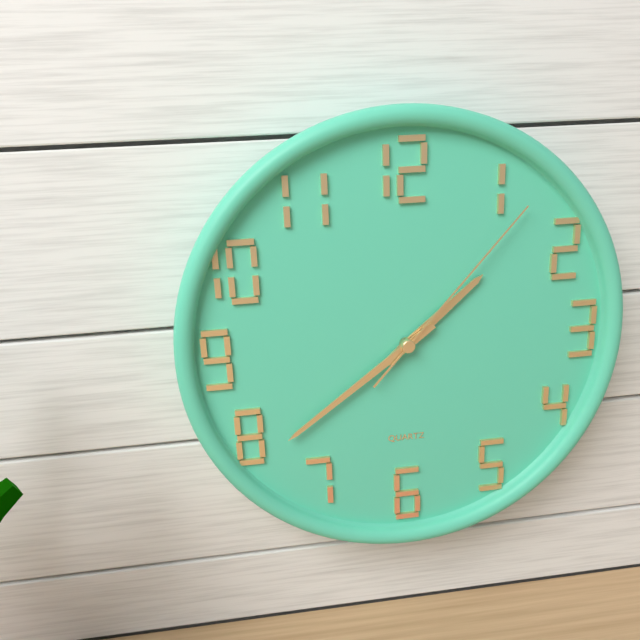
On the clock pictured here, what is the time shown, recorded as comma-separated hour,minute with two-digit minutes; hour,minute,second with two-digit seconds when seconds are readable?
1,39,07
